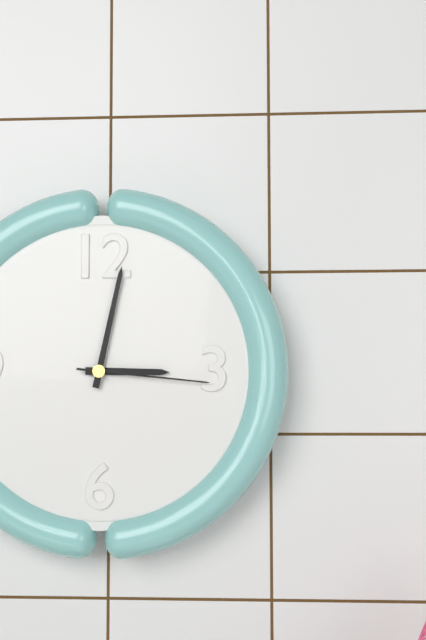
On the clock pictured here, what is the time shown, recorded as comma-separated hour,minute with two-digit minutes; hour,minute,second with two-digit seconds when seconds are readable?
3,02,16
